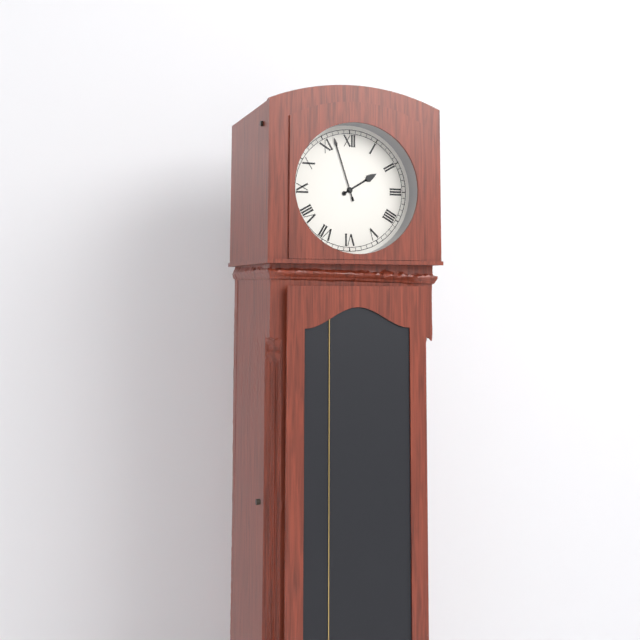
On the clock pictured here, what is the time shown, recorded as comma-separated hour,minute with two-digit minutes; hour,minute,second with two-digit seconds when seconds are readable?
1,57
